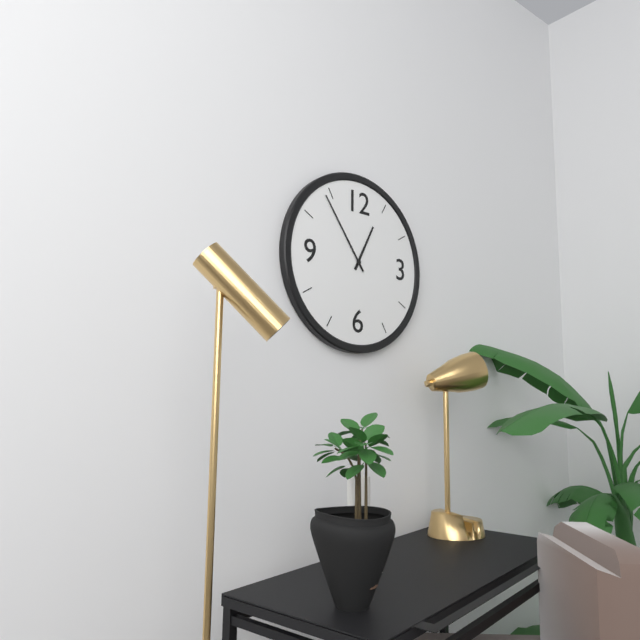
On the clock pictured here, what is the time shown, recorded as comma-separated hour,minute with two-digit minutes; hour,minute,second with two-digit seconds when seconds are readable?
12,54
